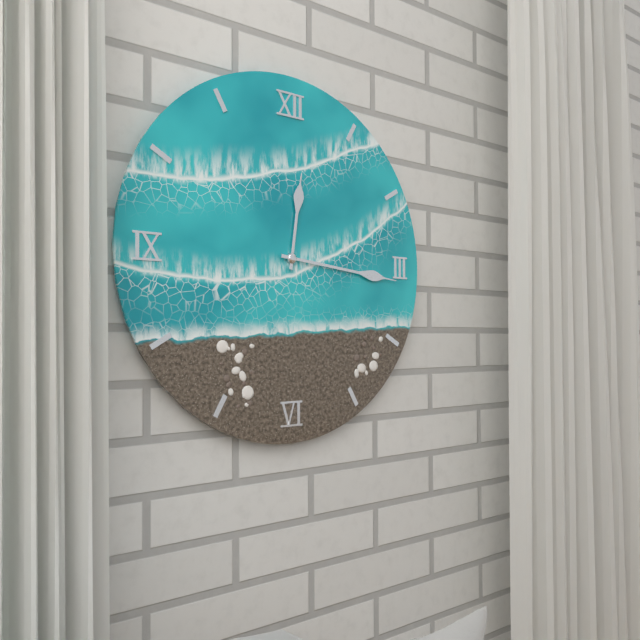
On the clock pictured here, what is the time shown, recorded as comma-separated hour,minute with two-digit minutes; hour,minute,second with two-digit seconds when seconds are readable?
12,16
